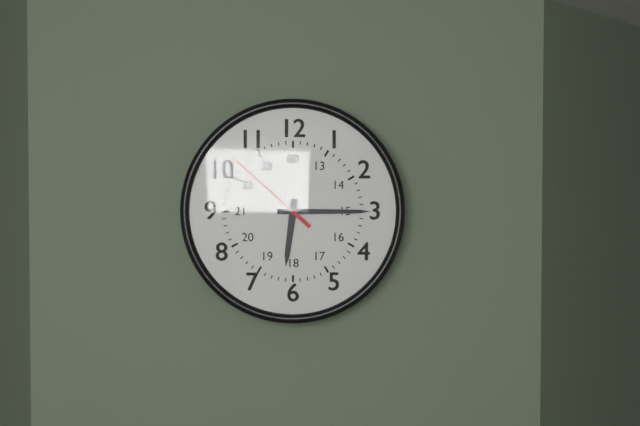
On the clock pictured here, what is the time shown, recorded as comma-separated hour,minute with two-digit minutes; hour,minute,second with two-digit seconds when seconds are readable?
6,15,52
